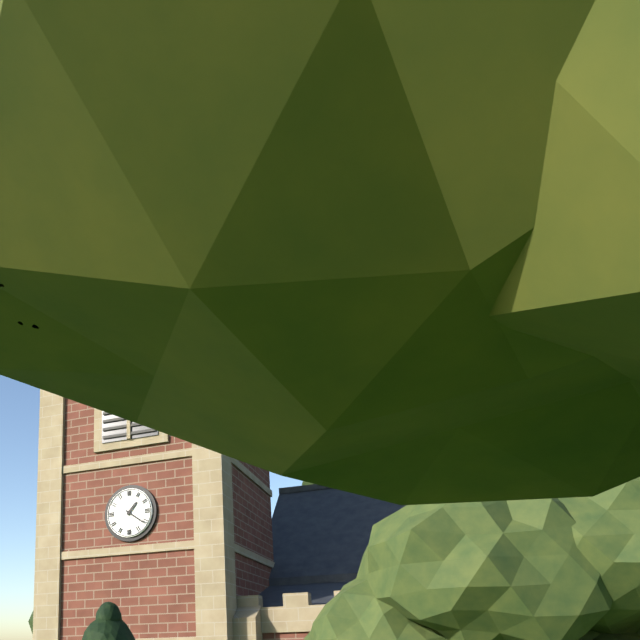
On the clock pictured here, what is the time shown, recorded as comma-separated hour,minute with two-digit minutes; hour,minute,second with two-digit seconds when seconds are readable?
1,21
